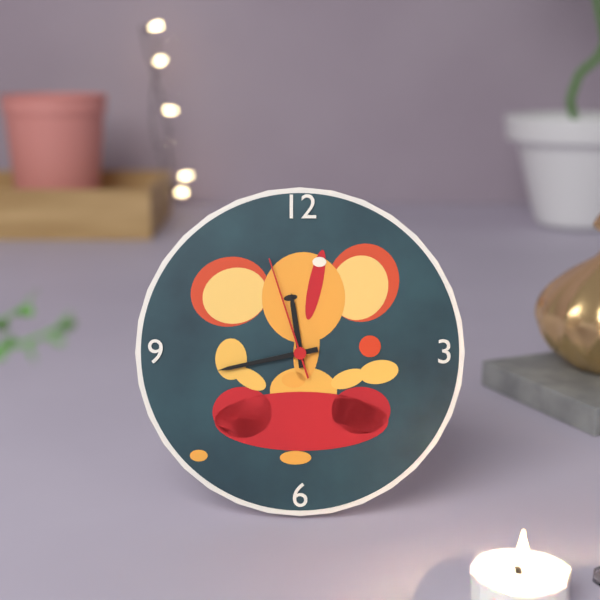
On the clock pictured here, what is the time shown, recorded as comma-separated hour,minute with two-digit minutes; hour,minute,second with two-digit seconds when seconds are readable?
11,43,57
